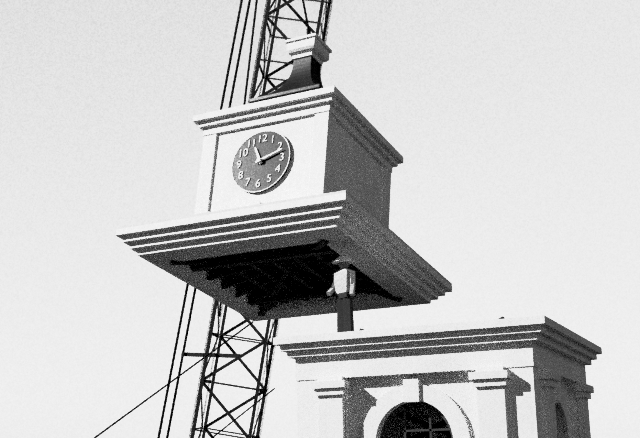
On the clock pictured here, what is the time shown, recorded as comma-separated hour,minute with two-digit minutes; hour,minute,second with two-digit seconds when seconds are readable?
11,12
